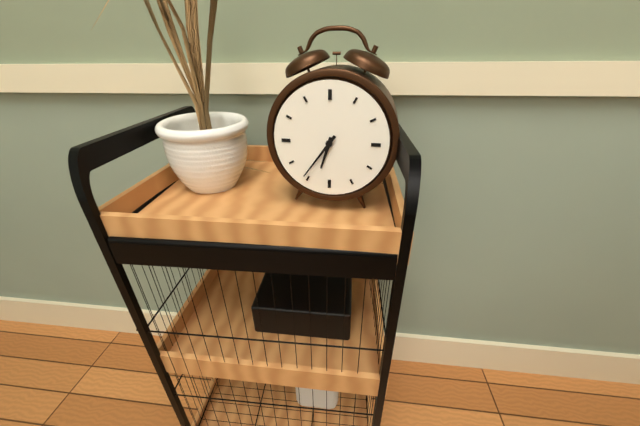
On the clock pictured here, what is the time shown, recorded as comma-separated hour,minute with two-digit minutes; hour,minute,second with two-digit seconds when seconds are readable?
6,36
